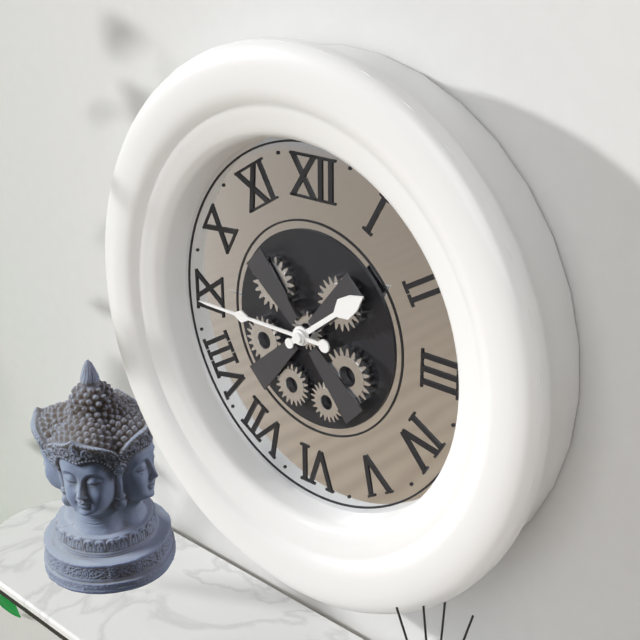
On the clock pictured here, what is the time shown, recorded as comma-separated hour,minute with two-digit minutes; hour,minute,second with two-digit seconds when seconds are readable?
1,45
